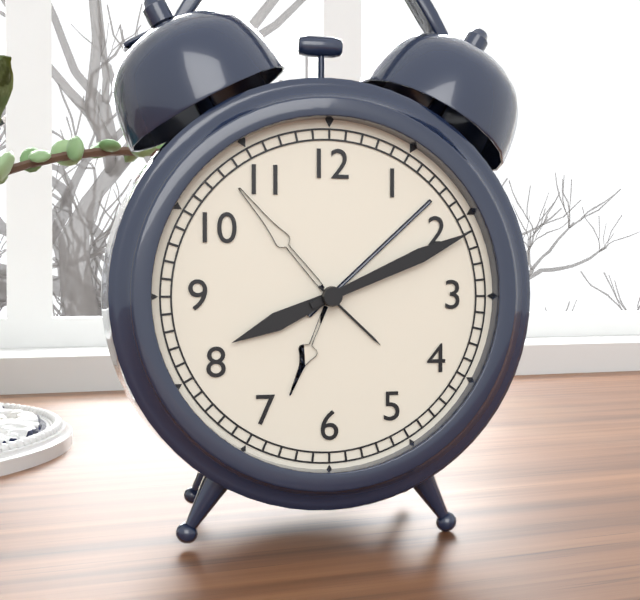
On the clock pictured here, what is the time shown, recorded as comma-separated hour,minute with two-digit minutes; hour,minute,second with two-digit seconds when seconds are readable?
8,11
